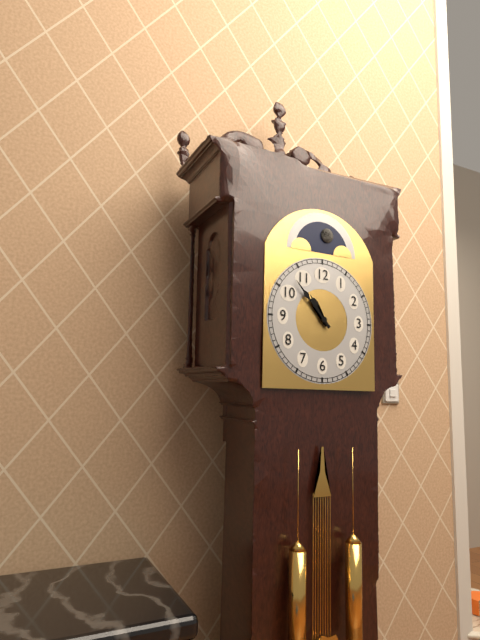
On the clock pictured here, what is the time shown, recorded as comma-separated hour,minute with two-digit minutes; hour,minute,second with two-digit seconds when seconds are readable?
10,53
